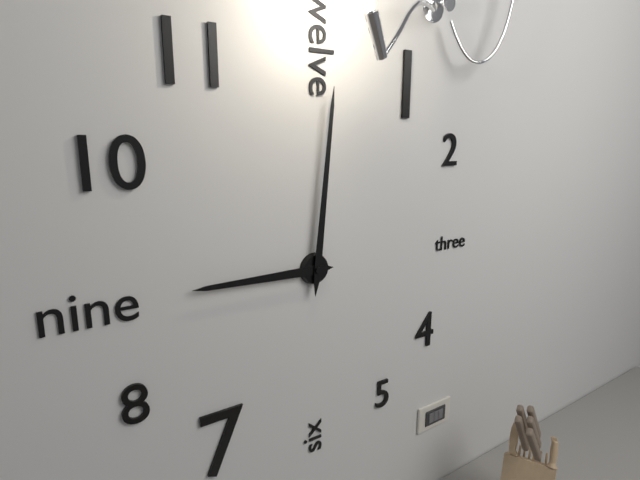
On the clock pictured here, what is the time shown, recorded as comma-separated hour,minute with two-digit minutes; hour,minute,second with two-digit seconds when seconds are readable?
9,01
